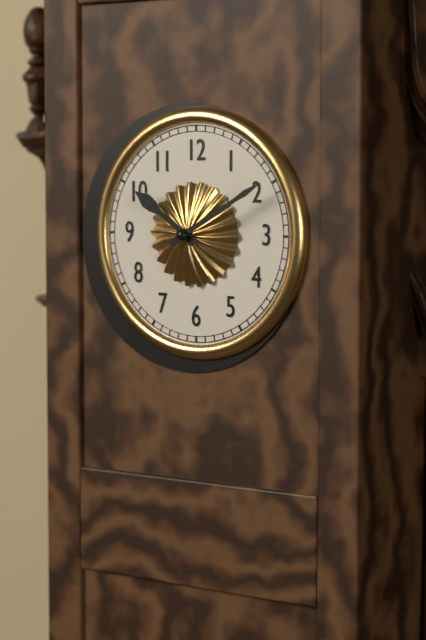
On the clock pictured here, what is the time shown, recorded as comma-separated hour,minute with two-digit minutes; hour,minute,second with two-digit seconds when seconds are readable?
10,10
